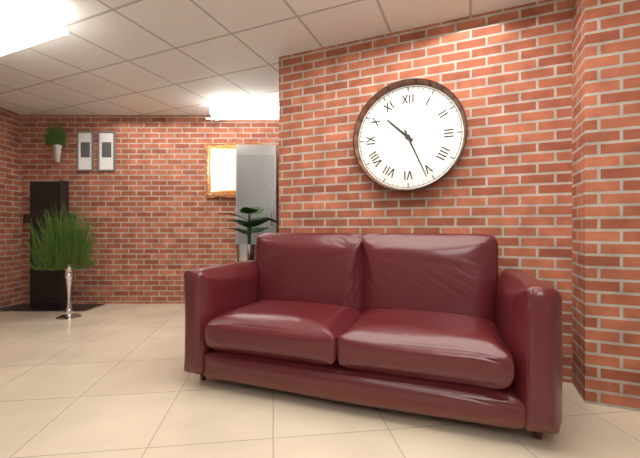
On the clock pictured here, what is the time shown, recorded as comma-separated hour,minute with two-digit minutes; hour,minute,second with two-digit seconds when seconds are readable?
10,26
